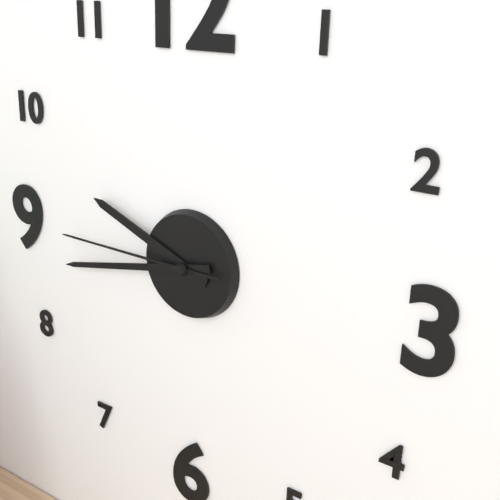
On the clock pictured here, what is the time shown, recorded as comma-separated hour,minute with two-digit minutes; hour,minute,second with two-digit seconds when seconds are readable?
9,43,45
